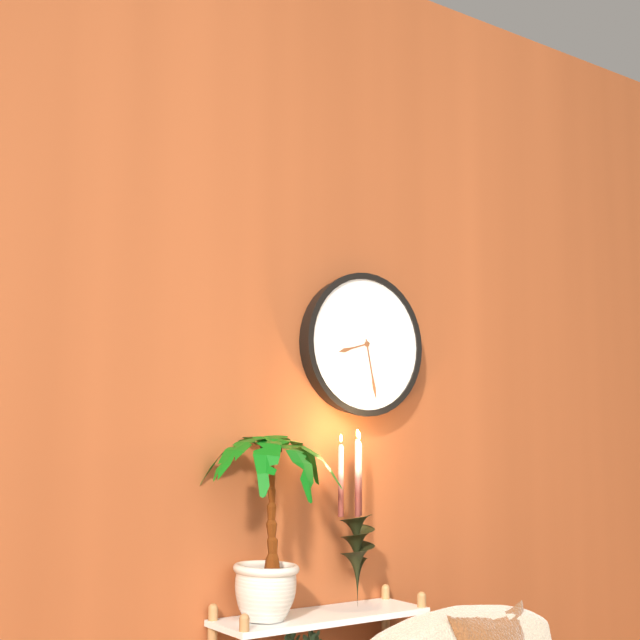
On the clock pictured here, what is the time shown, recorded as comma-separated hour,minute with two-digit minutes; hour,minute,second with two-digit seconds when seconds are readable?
8,28
